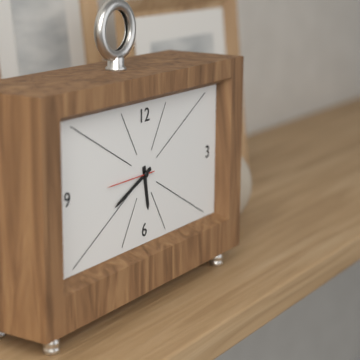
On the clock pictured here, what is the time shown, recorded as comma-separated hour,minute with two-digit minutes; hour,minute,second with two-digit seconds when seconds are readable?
5,41,45
